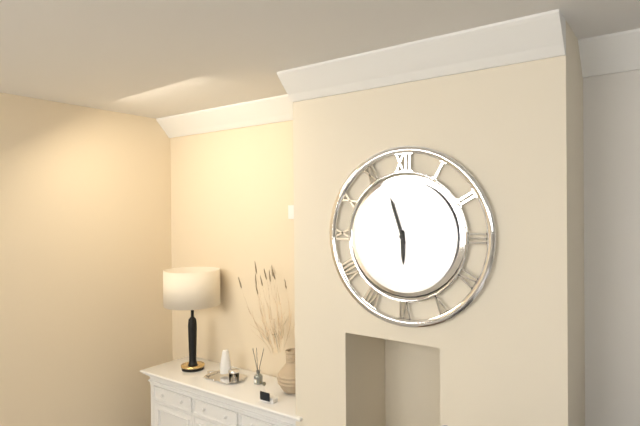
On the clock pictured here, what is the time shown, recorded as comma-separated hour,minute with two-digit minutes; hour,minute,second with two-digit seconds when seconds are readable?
5,57
